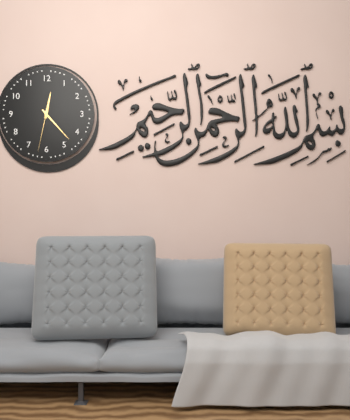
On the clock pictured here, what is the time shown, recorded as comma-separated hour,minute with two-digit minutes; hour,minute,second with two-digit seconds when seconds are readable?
12,23
